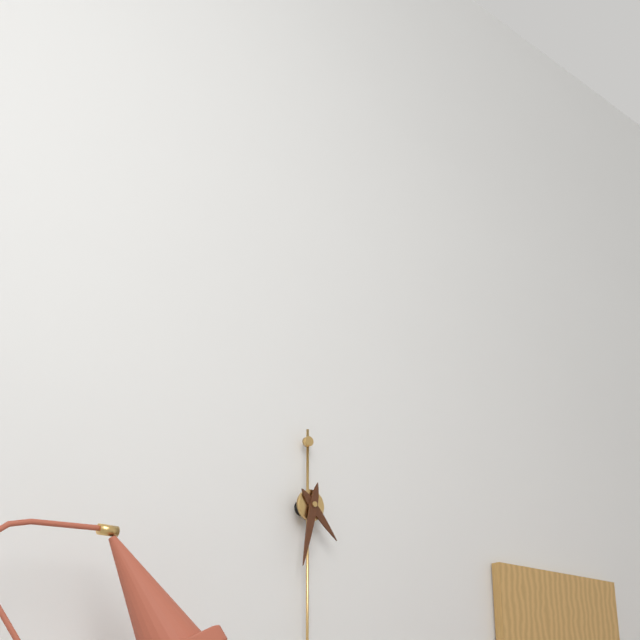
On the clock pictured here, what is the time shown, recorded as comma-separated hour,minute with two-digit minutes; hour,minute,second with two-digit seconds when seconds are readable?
4,32
